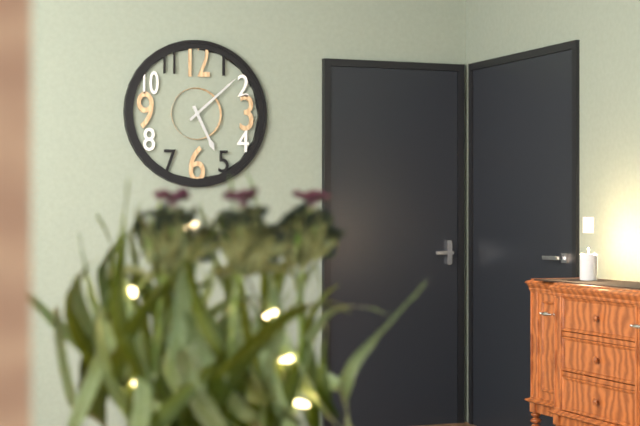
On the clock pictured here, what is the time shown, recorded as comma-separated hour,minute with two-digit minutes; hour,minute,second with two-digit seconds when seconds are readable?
5,08
